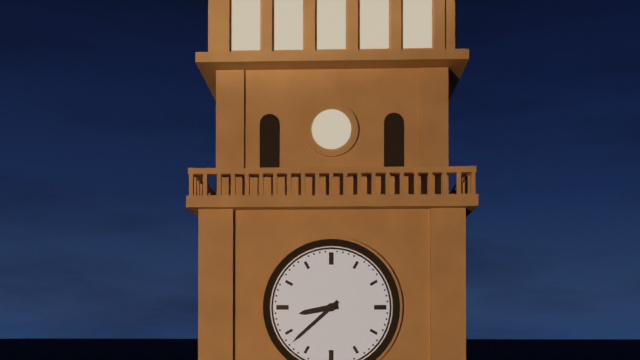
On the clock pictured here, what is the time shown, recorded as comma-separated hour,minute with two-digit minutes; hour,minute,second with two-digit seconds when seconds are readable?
8,38
